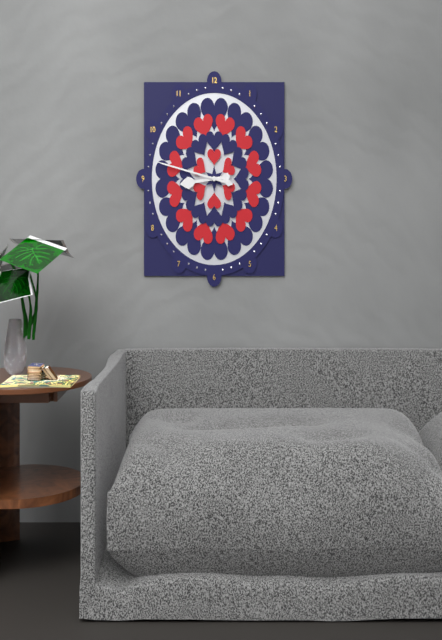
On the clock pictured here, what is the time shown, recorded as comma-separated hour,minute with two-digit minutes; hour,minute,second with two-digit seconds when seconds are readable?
8,47
